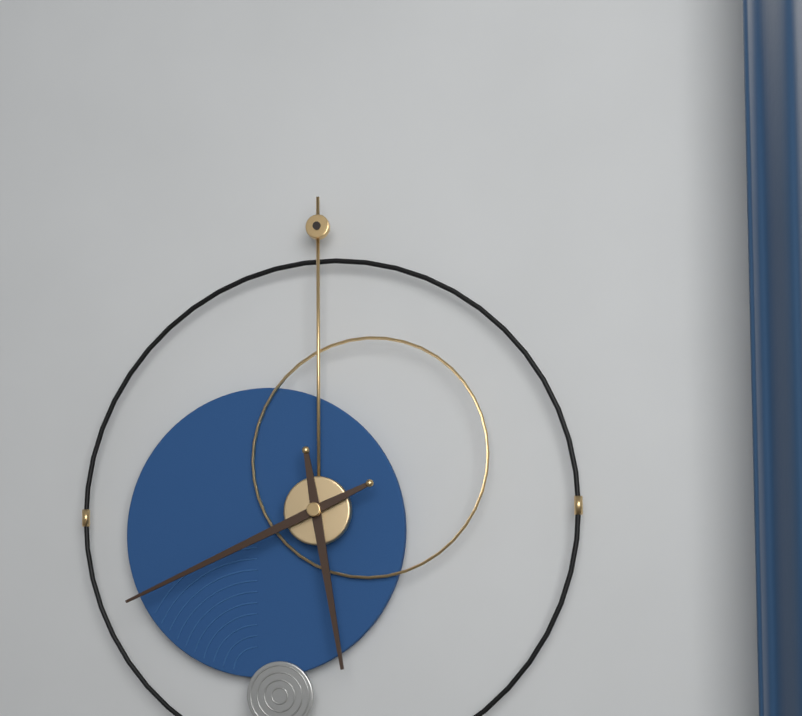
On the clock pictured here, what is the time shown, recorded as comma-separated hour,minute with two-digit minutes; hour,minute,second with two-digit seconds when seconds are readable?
5,41
